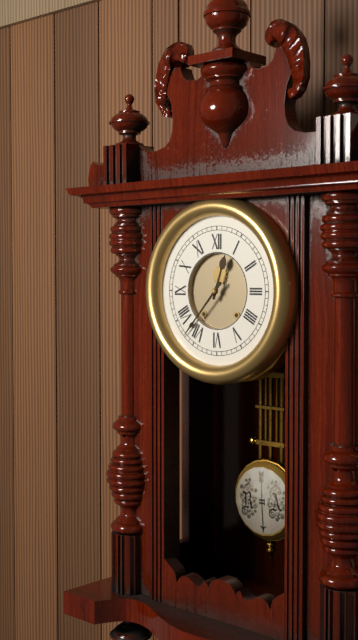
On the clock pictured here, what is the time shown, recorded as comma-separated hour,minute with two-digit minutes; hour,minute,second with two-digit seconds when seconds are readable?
12,37
